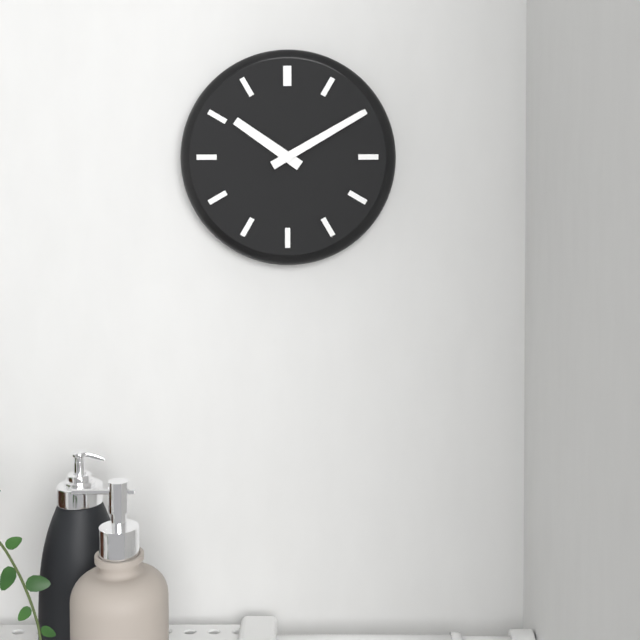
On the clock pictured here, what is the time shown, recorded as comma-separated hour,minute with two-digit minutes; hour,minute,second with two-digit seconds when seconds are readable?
10,10
